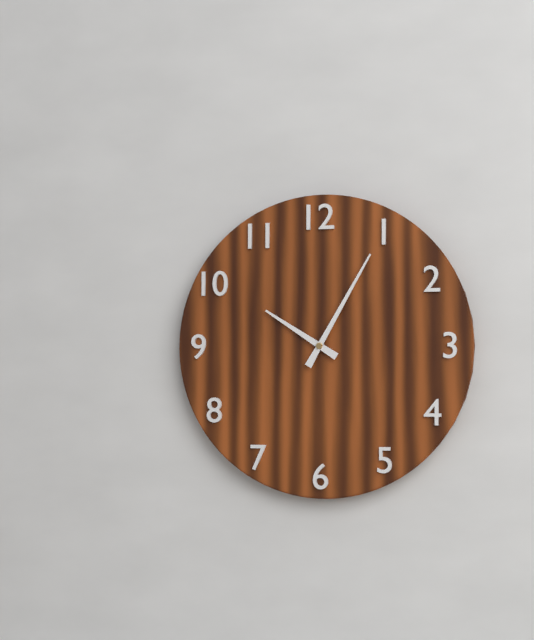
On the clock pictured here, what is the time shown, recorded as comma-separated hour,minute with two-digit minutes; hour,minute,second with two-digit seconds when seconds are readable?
10,05
